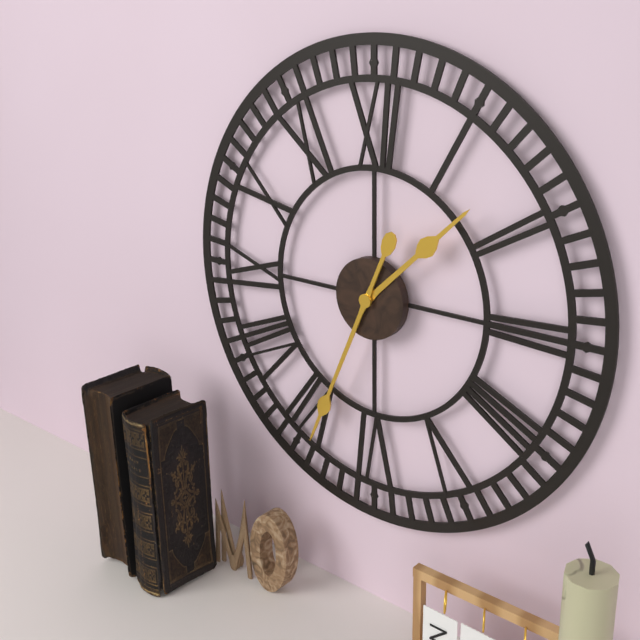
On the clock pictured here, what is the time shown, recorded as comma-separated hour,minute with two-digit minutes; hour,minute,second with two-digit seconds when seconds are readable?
1,34
